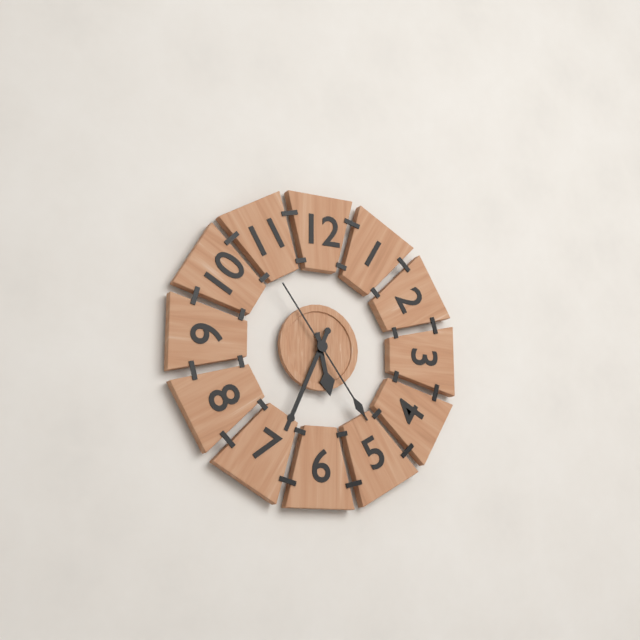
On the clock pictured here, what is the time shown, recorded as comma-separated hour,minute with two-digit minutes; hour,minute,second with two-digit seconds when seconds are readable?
5,34,24
